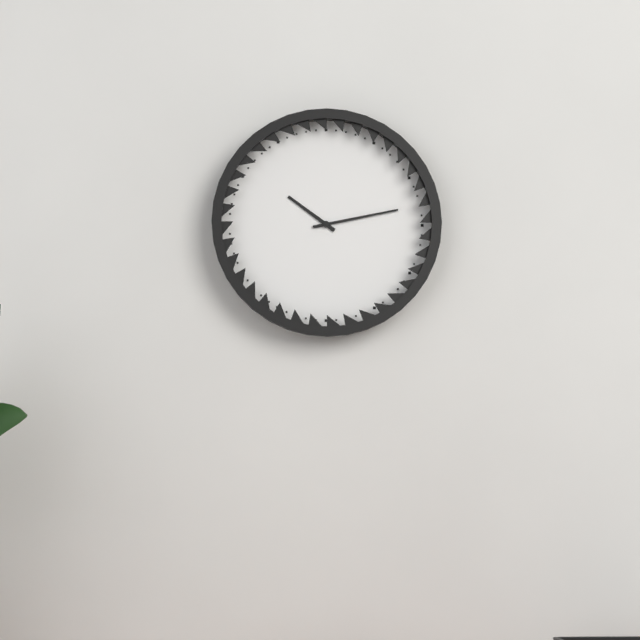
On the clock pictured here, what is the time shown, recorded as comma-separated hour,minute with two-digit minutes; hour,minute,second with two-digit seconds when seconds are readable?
10,13
